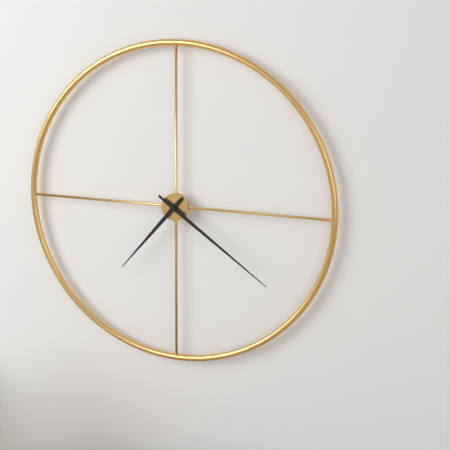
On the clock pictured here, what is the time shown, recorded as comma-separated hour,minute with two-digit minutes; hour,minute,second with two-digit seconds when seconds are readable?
7,21
